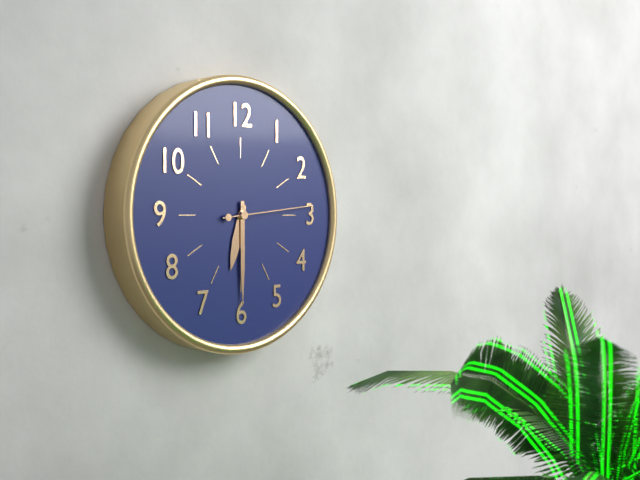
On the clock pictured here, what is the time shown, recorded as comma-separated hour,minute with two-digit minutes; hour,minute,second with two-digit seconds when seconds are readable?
6,30,14
